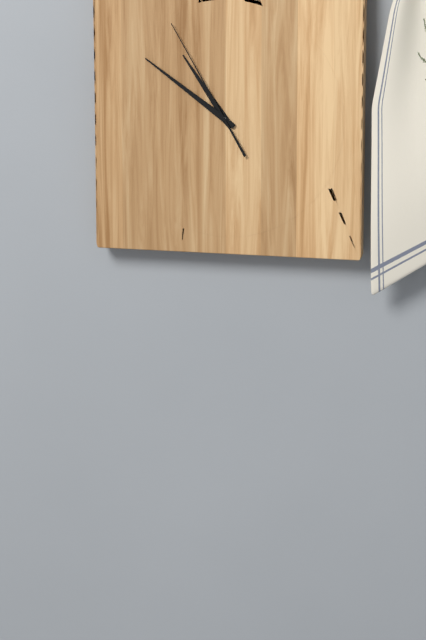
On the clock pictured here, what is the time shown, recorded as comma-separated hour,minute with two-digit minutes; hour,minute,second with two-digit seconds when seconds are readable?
10,51,55
